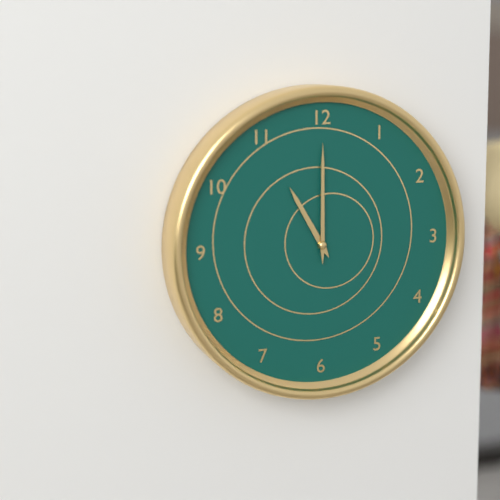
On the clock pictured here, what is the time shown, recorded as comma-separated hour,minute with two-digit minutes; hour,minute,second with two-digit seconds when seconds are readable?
11,00
